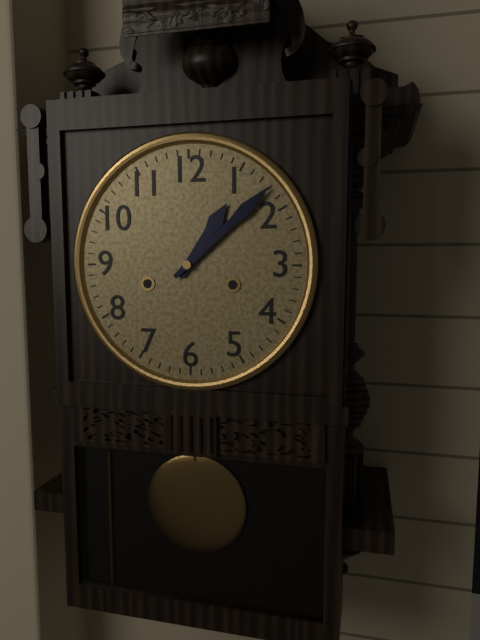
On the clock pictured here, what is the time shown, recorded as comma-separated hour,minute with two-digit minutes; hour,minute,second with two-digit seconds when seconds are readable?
1,08
